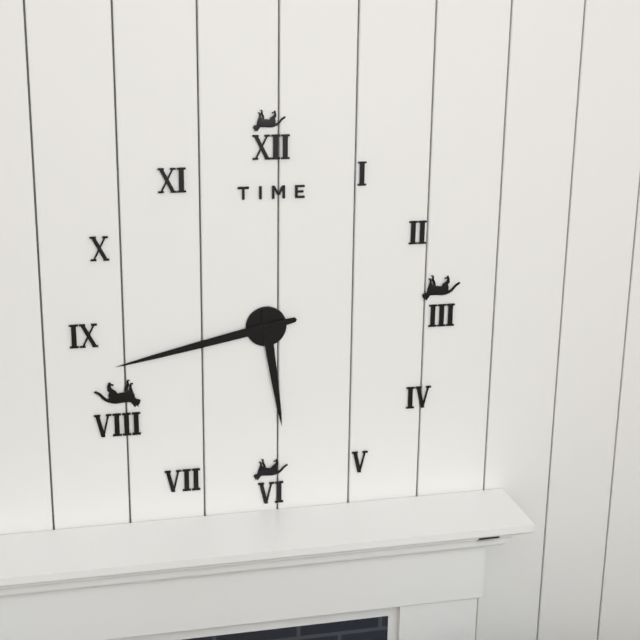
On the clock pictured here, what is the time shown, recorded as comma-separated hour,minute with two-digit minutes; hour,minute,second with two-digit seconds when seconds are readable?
5,43
